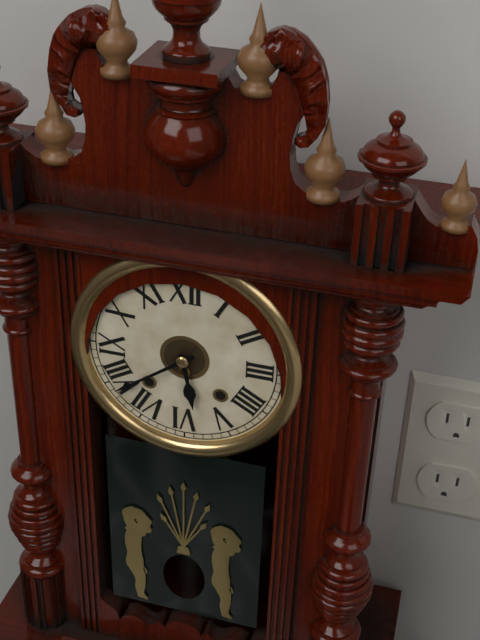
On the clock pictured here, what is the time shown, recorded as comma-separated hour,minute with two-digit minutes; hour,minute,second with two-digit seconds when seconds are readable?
5,39
